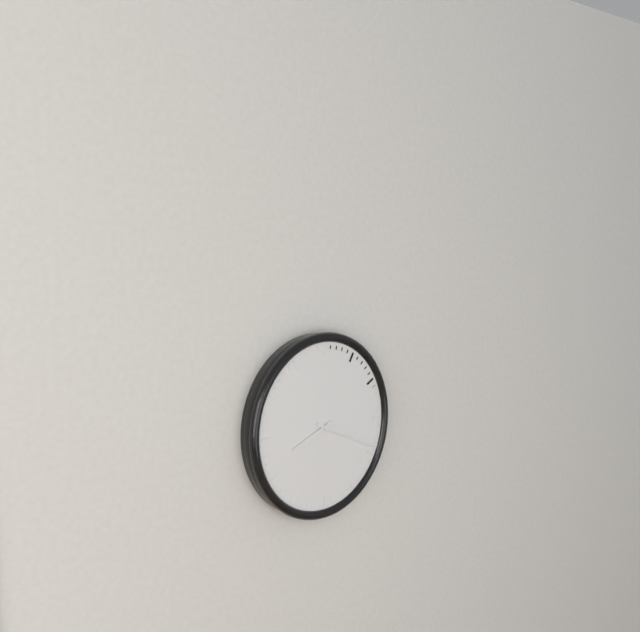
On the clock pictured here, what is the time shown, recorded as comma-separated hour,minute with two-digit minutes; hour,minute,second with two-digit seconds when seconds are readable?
8,19
